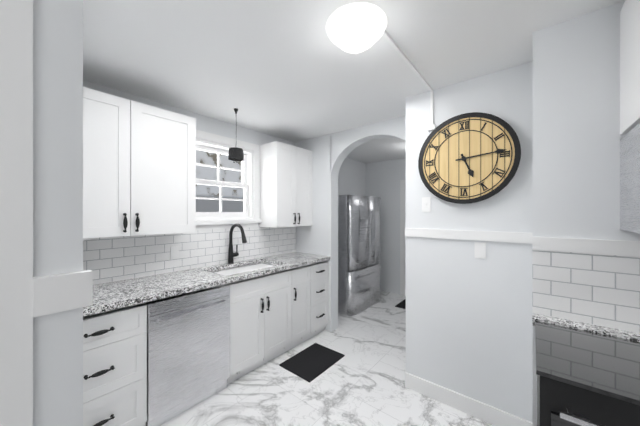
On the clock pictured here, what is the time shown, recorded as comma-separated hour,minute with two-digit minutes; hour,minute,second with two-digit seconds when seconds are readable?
5,14
